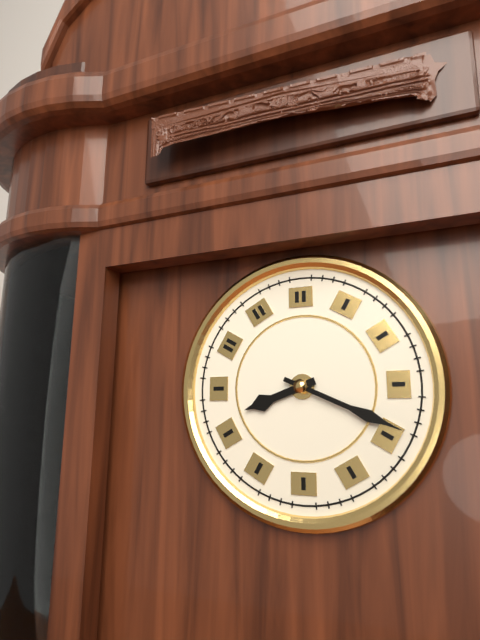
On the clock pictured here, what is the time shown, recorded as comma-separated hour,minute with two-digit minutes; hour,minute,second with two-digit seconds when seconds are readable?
8,19
